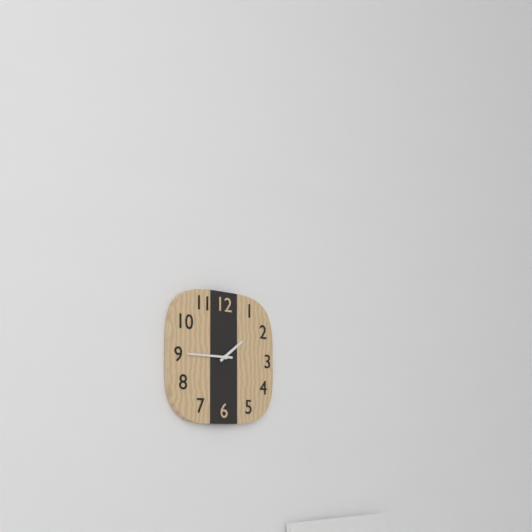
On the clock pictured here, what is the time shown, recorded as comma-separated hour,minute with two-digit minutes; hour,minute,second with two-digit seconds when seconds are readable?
1,45
